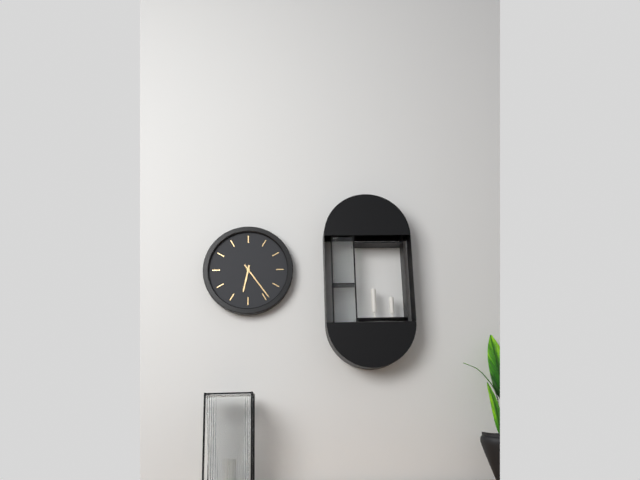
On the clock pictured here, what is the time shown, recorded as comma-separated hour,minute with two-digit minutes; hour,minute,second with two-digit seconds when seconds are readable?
6,24
